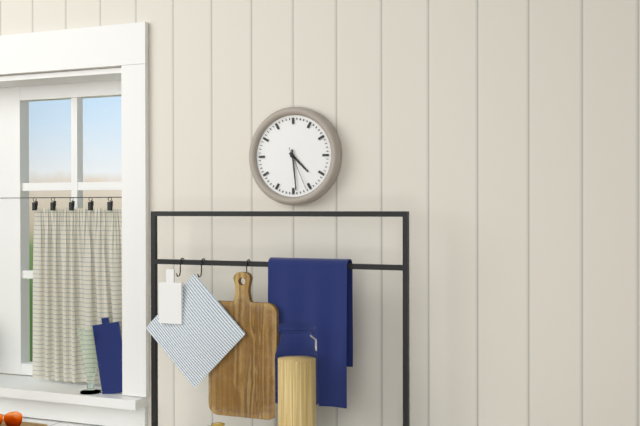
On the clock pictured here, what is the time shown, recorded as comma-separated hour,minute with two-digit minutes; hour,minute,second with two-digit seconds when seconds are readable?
4,29
